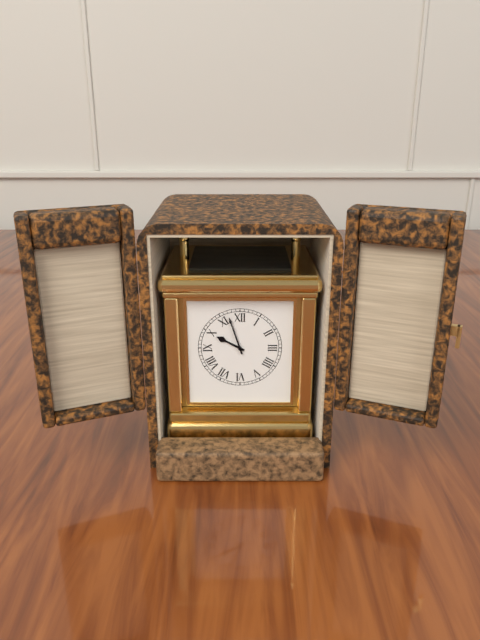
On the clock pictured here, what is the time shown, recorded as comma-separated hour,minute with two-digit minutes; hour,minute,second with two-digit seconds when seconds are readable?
9,57
